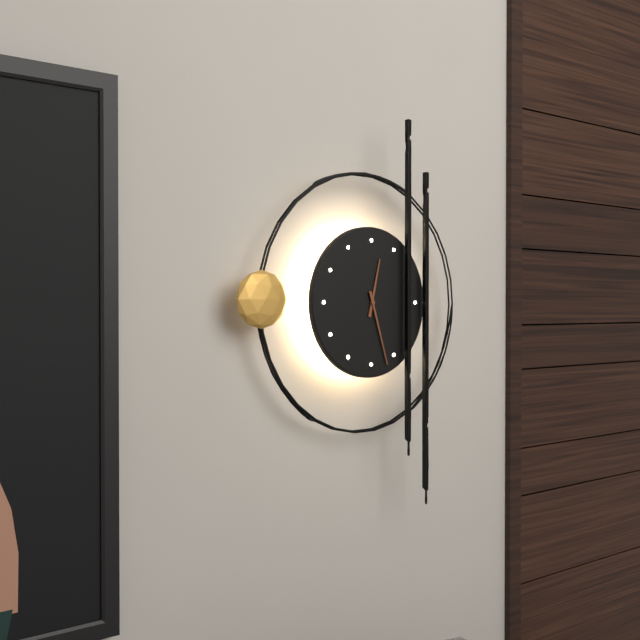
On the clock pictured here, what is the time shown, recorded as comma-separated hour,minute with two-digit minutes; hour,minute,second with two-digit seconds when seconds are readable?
12,27
